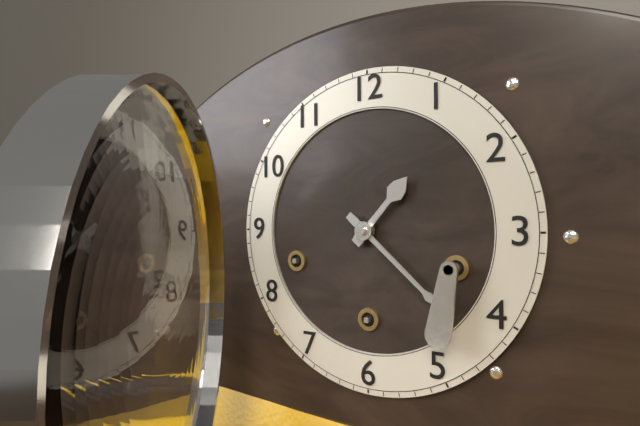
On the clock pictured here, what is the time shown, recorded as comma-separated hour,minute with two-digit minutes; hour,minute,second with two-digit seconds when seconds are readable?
1,22
